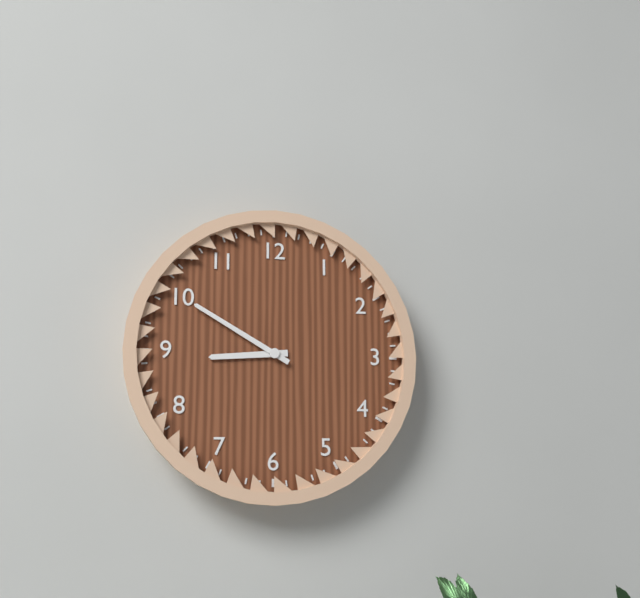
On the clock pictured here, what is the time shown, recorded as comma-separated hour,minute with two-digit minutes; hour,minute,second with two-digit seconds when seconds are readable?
8,50
